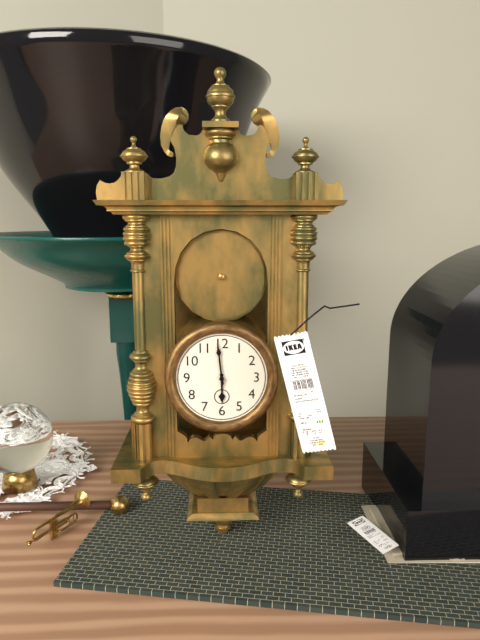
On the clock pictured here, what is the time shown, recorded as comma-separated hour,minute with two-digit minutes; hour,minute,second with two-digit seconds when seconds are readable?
5,59
